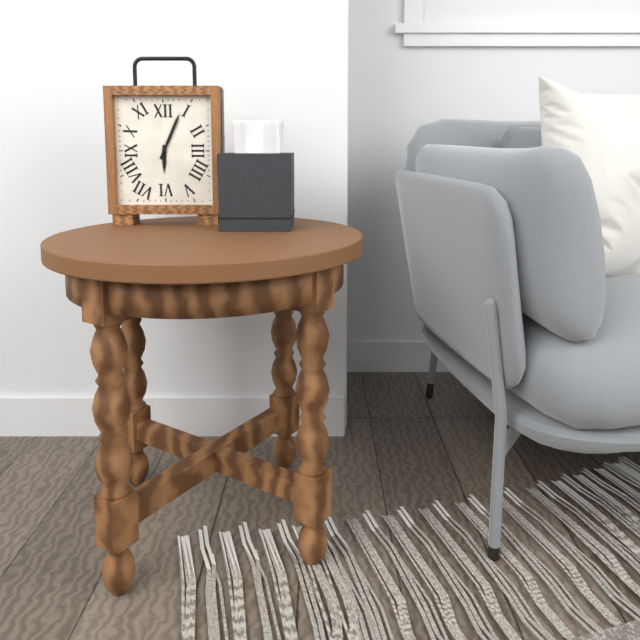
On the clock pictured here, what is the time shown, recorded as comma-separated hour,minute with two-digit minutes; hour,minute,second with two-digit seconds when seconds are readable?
6,04
